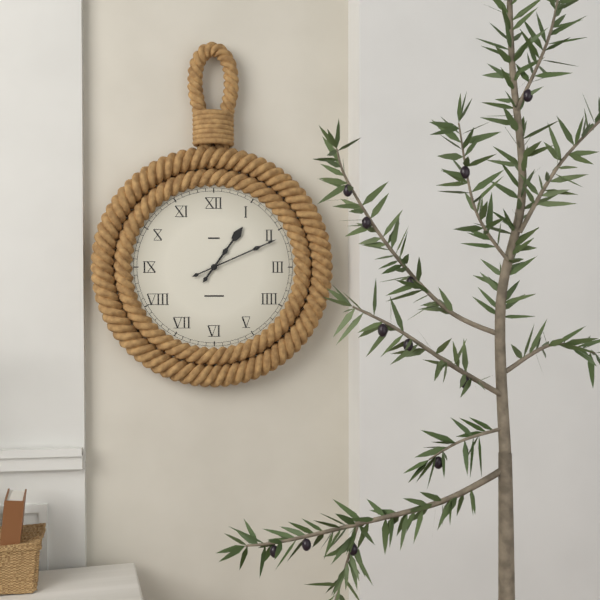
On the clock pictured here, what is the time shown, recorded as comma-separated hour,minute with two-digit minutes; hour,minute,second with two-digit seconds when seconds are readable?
1,11
